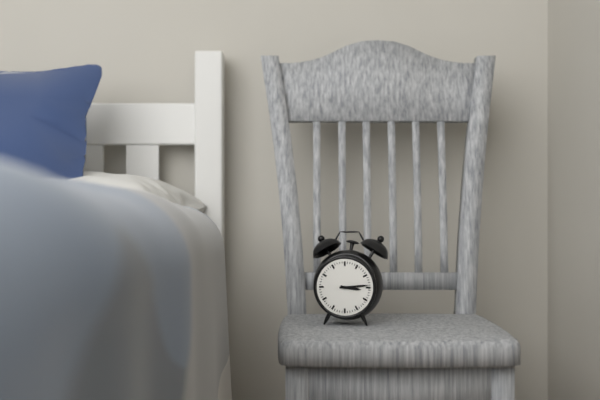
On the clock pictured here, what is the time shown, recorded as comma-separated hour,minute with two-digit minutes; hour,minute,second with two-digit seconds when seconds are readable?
3,14
